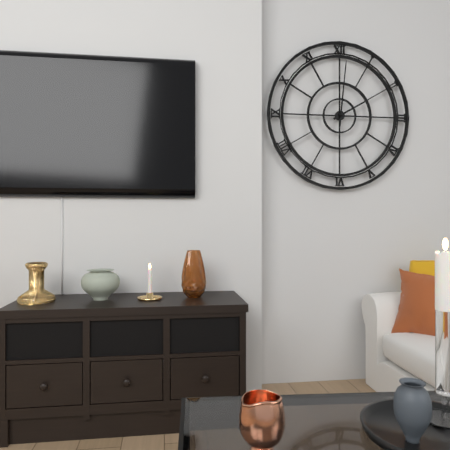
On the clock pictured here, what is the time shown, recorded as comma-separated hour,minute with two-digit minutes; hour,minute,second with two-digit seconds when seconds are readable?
2,01
